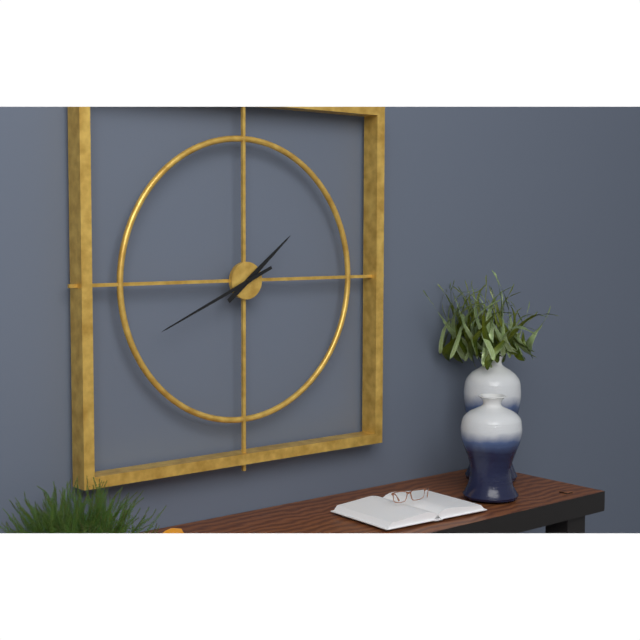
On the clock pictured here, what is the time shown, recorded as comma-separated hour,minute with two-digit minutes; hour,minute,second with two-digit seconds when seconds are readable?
1,41
